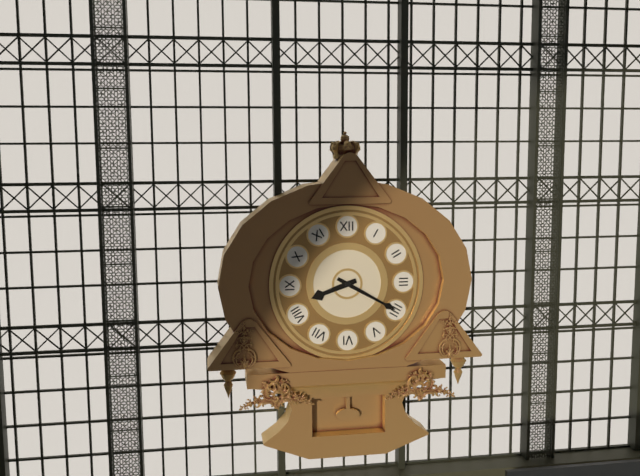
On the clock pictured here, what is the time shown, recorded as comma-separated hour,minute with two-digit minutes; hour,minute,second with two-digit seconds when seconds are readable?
8,20
